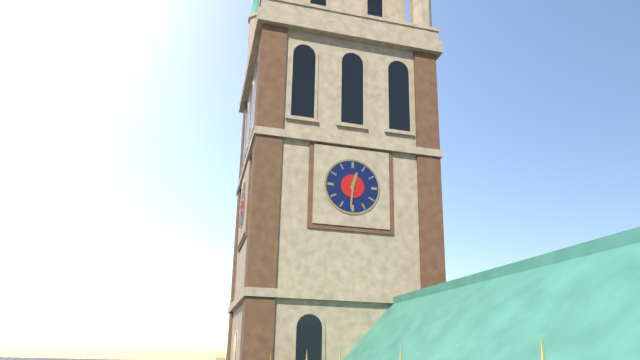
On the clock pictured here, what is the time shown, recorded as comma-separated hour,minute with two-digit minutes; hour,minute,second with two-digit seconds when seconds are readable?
12,31
